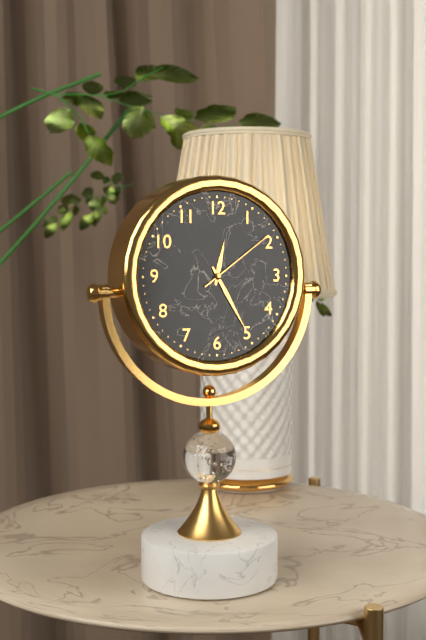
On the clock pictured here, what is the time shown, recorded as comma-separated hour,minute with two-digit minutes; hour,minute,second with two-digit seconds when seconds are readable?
12,25,09
